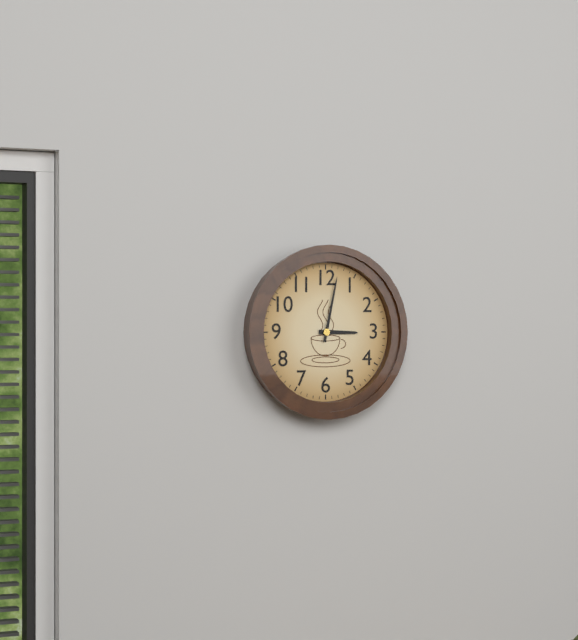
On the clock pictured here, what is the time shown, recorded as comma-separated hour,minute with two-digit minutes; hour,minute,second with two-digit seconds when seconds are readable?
3,02
